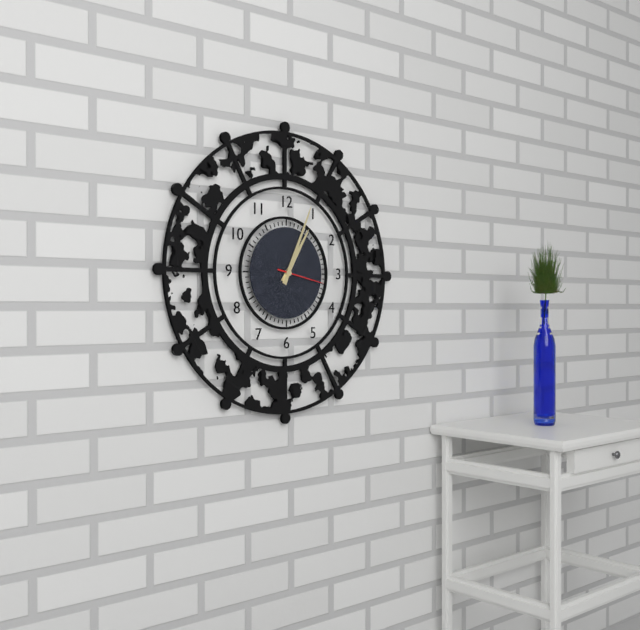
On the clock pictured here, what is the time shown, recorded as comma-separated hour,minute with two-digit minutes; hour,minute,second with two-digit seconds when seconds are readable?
1,04
